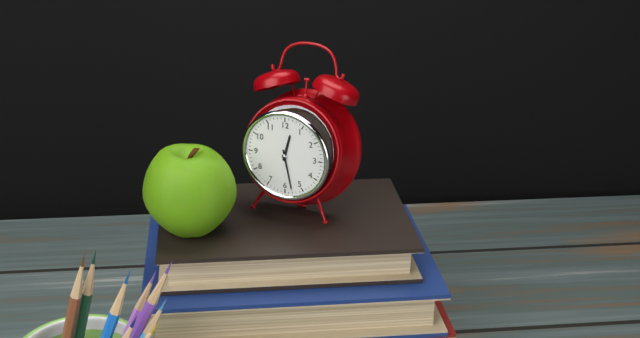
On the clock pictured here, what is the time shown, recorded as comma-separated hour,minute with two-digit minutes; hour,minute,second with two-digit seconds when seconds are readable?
12,28
